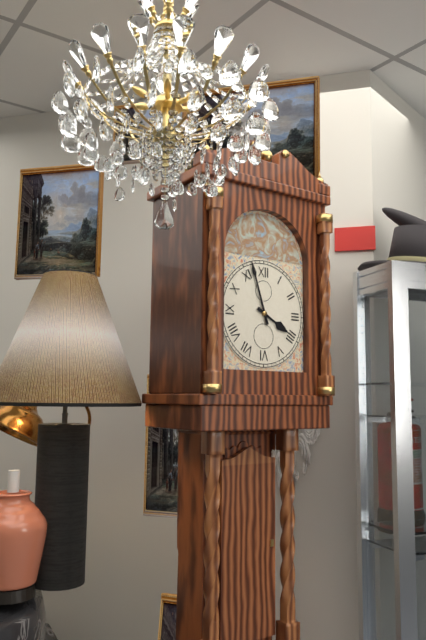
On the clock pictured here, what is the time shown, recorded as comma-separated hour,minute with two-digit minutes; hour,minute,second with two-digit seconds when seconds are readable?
3,57
